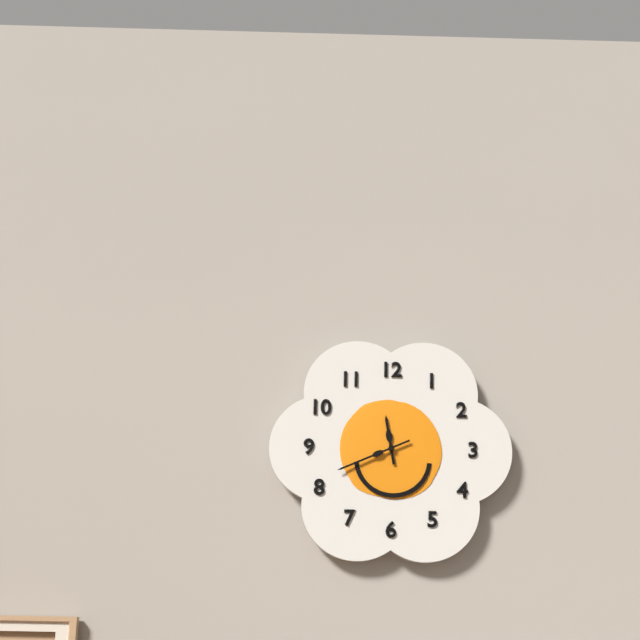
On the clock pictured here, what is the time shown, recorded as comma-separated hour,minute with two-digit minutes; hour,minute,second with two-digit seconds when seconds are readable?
11,41
